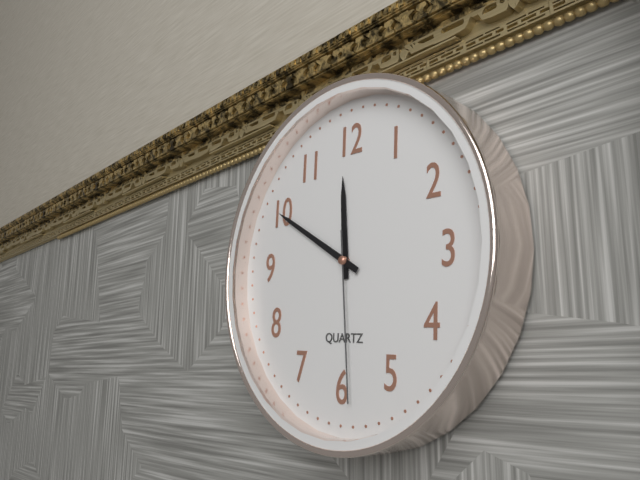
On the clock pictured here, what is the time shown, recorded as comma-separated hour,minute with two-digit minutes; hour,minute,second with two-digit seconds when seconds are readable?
11,50,29
